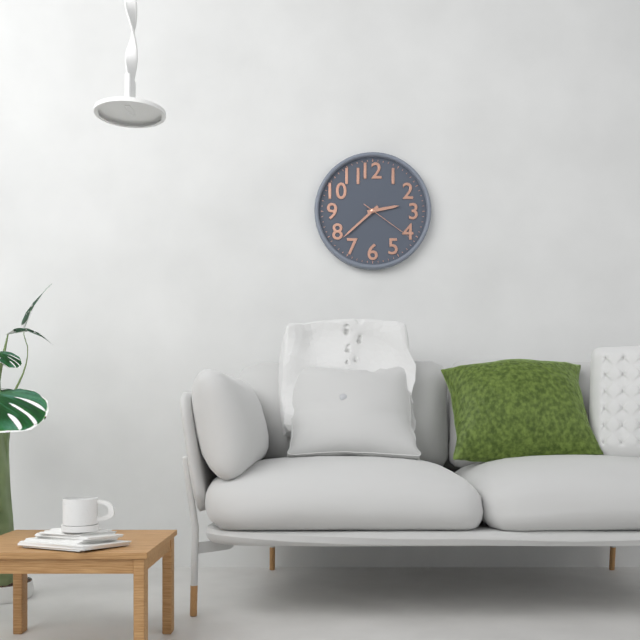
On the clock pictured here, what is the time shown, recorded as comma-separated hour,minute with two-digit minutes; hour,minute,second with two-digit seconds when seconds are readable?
2,38,21
